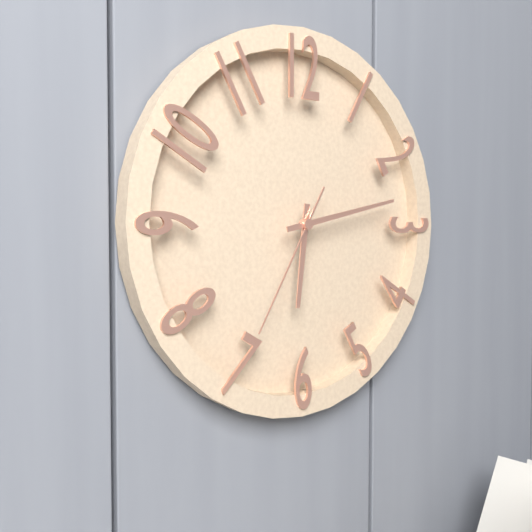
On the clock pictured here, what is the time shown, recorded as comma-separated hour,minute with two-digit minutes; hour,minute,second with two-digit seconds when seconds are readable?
6,13,35
